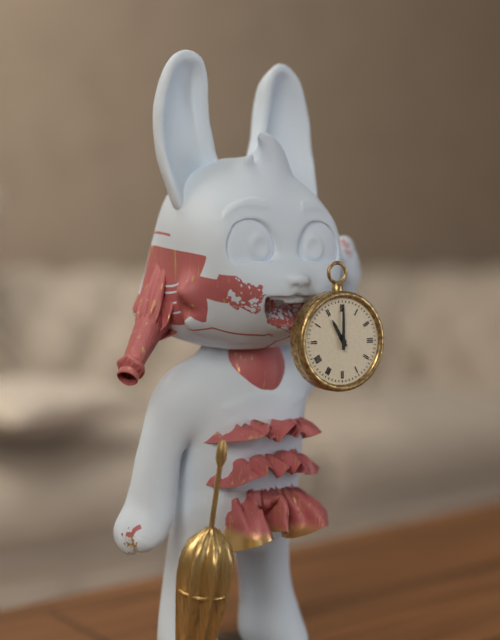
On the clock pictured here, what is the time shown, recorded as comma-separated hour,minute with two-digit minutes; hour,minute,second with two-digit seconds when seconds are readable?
11,00
